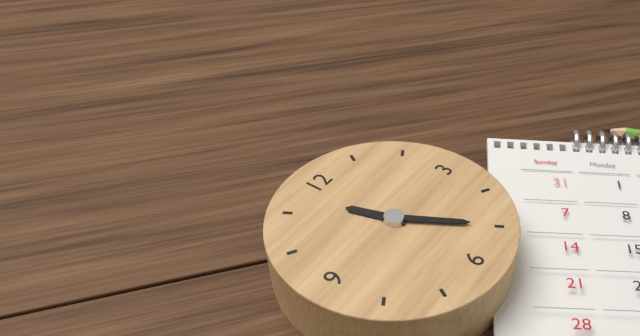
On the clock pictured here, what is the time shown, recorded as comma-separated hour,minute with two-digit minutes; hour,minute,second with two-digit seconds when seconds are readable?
11,25
